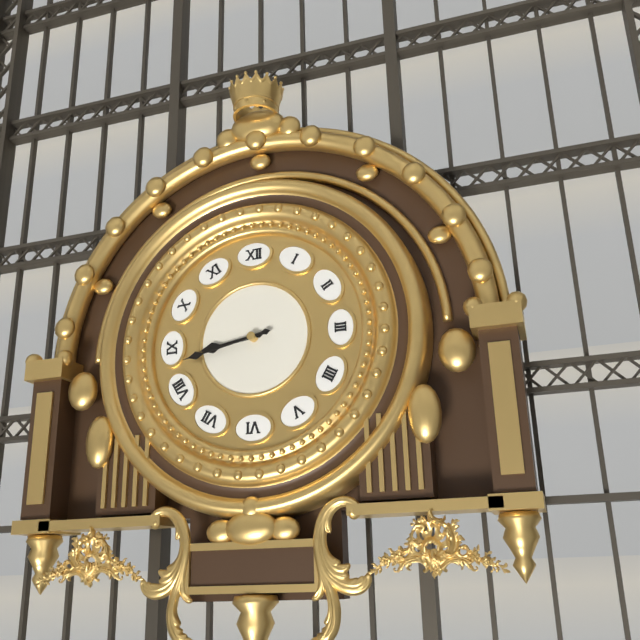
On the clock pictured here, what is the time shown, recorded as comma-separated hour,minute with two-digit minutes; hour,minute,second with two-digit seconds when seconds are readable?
8,43
